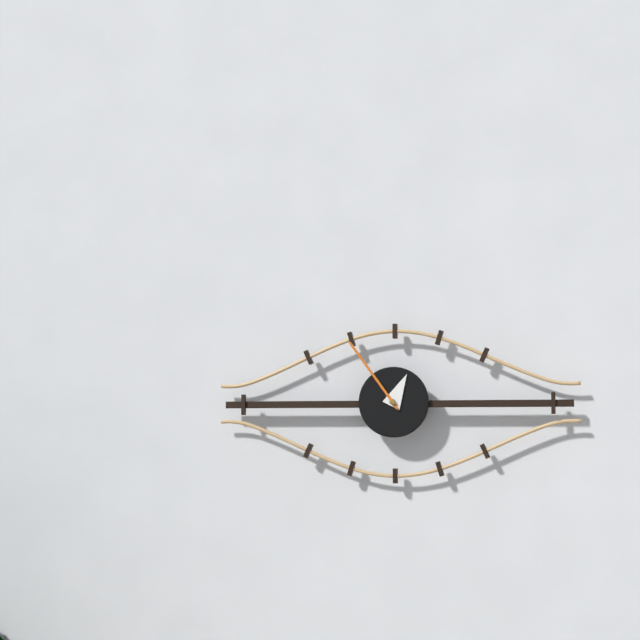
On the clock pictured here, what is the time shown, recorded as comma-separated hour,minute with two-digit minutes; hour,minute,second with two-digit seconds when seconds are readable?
12,54
